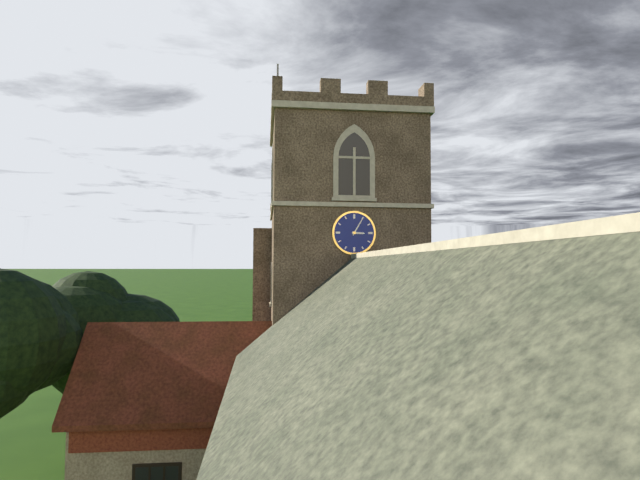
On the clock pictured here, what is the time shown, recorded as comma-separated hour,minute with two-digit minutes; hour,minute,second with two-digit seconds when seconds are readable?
3,05
